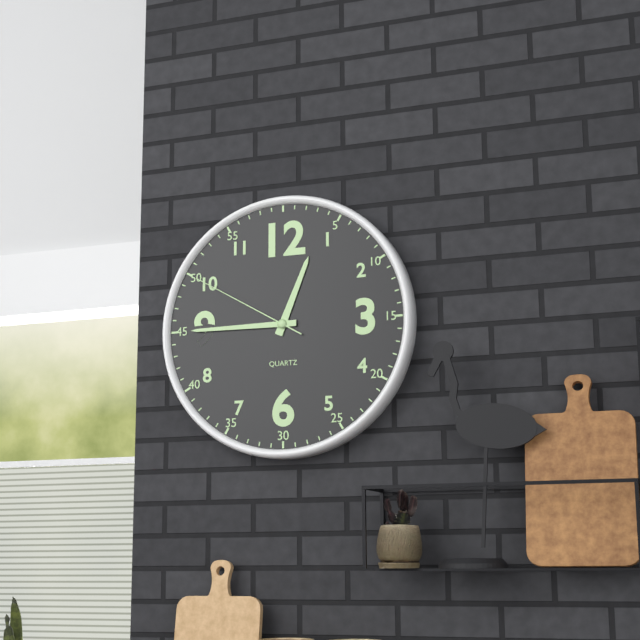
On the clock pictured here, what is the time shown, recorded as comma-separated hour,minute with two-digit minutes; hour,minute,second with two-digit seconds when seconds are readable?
12,45,50
